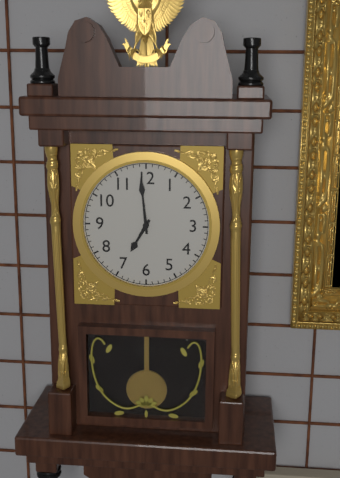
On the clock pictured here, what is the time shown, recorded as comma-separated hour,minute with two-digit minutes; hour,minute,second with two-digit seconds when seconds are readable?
6,59
